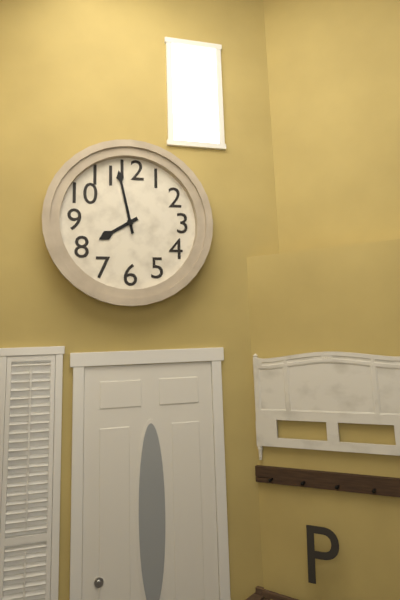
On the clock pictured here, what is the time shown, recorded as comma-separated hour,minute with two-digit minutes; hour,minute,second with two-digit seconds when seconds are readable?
7,58
